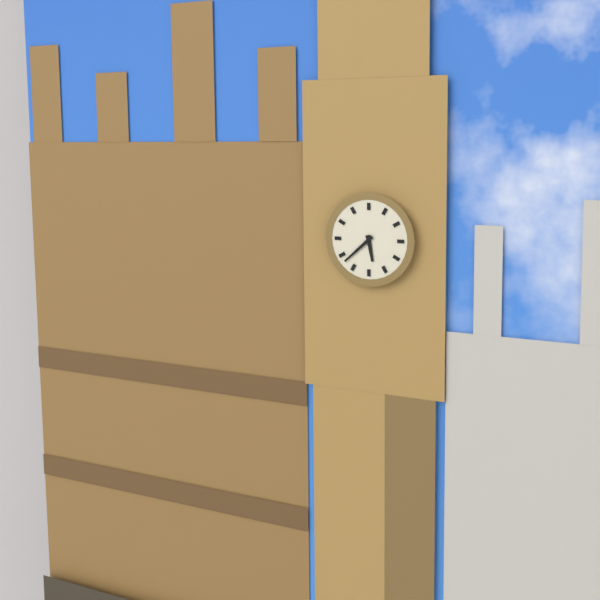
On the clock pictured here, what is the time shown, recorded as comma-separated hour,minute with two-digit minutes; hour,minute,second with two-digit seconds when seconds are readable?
5,38
